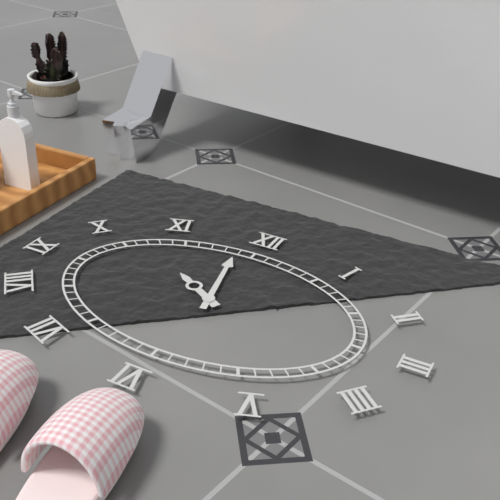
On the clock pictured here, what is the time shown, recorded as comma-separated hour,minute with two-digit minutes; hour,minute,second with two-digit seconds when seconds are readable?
9,58
